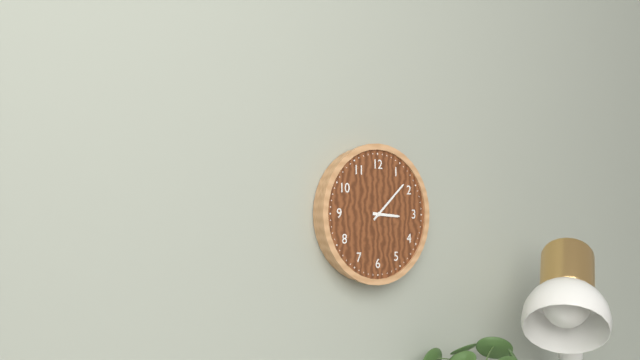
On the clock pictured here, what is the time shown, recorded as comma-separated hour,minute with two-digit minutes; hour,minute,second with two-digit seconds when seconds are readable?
3,08
